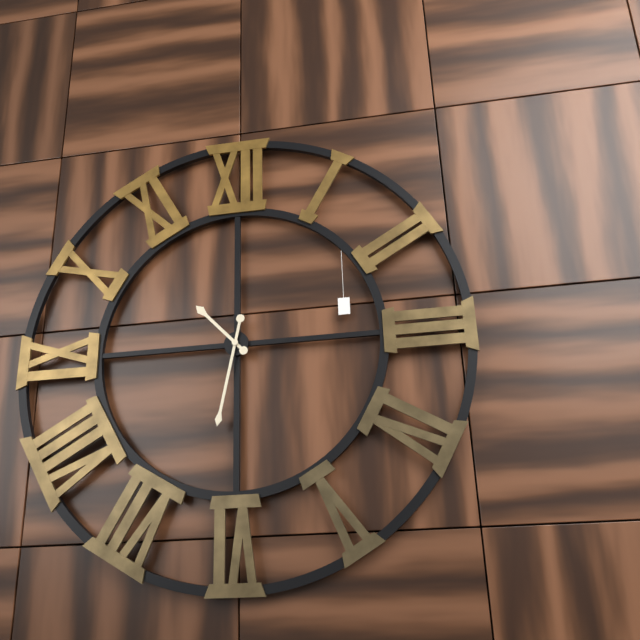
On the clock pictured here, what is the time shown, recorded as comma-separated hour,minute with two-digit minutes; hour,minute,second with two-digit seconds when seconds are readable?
10,32
